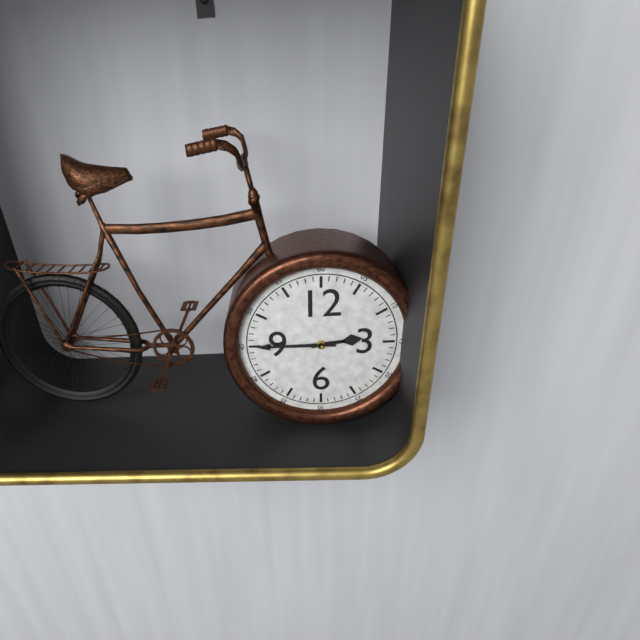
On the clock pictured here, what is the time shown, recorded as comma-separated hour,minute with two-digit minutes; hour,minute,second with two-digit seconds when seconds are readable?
2,45
